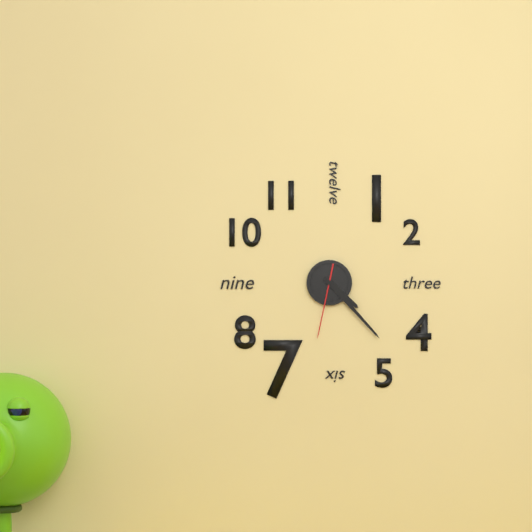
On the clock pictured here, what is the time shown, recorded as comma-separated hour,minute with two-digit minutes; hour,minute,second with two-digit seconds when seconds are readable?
4,23,32
